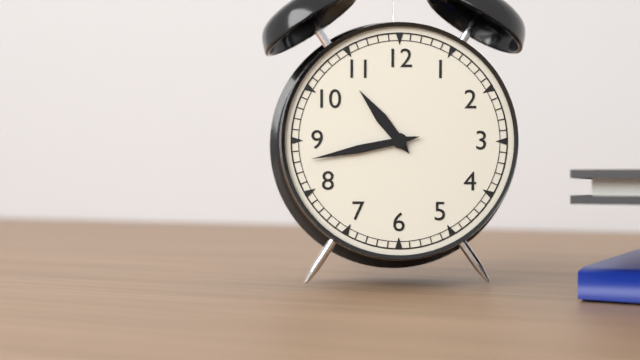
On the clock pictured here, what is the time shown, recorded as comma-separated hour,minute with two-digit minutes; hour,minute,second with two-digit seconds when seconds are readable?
10,43
